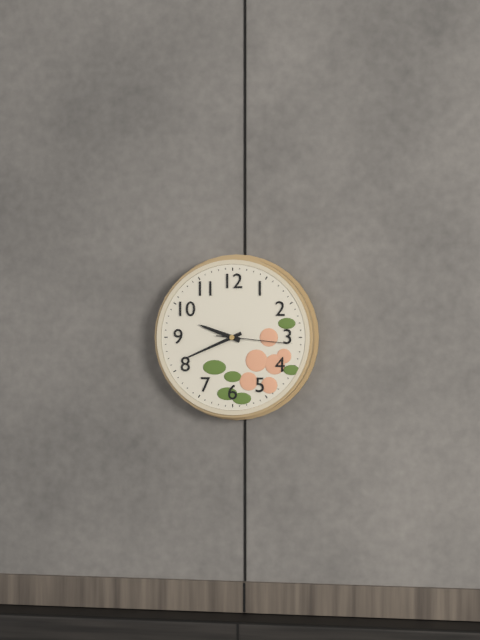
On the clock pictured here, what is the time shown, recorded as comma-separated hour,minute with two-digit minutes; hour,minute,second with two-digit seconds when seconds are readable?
9,41,16
